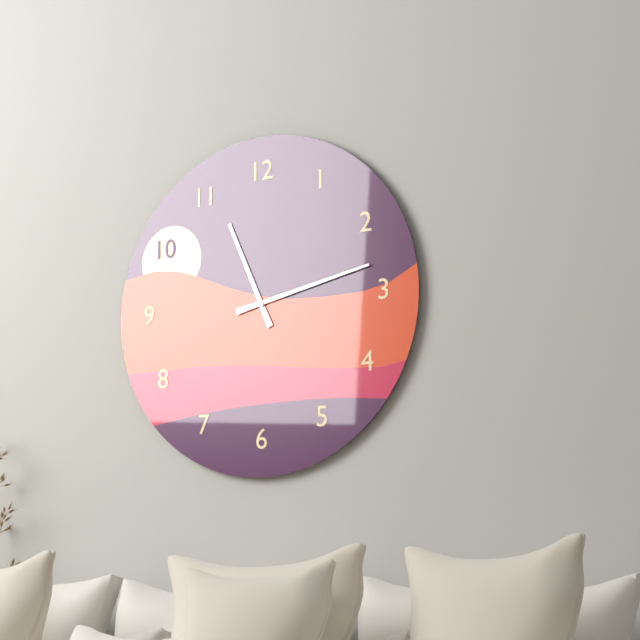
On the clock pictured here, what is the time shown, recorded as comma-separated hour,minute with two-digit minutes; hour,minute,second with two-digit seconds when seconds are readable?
11,13
